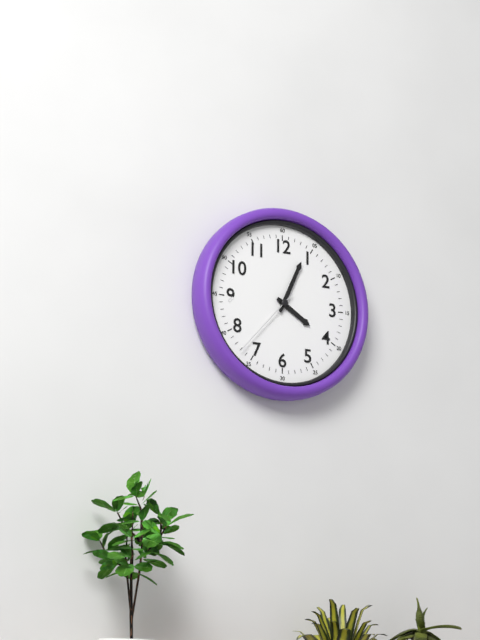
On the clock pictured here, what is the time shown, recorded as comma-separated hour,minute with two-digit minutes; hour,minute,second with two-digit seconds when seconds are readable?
4,04,37
